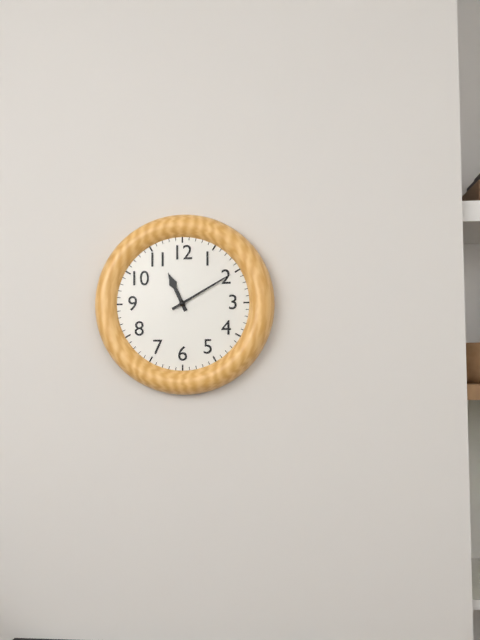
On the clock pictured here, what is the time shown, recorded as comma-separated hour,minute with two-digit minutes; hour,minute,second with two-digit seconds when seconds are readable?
11,10
